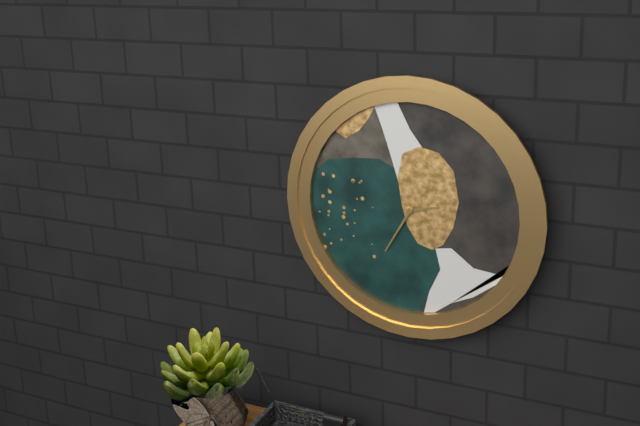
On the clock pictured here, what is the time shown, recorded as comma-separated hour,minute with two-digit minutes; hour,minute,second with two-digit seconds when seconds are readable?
2,35
